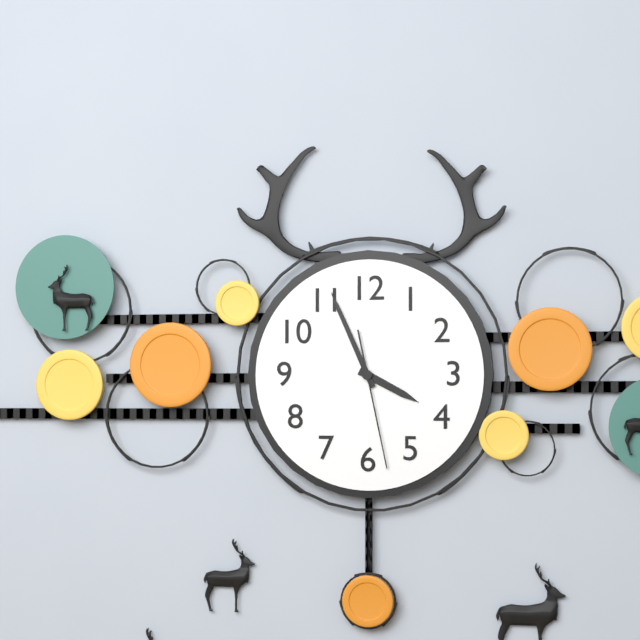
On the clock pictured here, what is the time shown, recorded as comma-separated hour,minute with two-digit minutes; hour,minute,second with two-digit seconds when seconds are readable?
3,56,28
